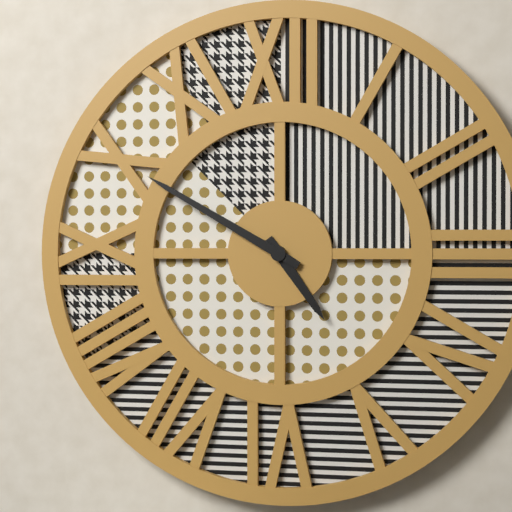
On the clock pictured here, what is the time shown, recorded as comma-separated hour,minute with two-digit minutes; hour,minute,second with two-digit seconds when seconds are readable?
4,50
